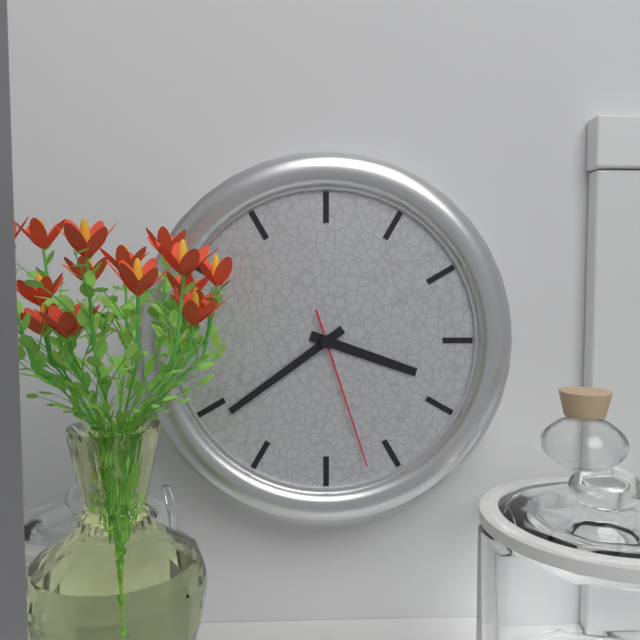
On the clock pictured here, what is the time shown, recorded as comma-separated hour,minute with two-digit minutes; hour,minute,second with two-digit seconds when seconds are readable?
3,39,27
